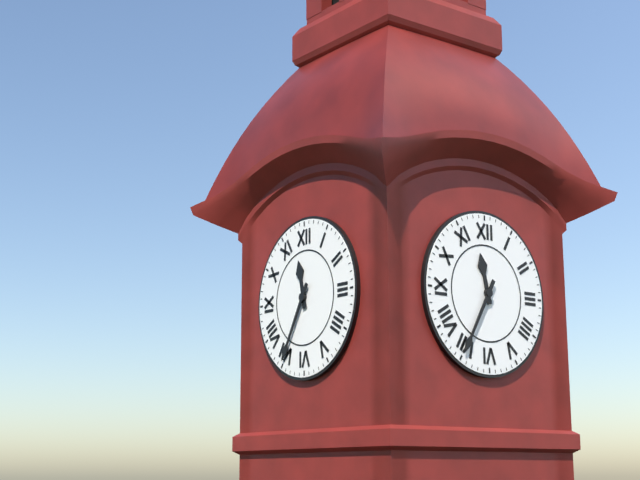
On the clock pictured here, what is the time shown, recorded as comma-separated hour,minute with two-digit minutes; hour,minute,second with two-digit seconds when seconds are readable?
11,35
